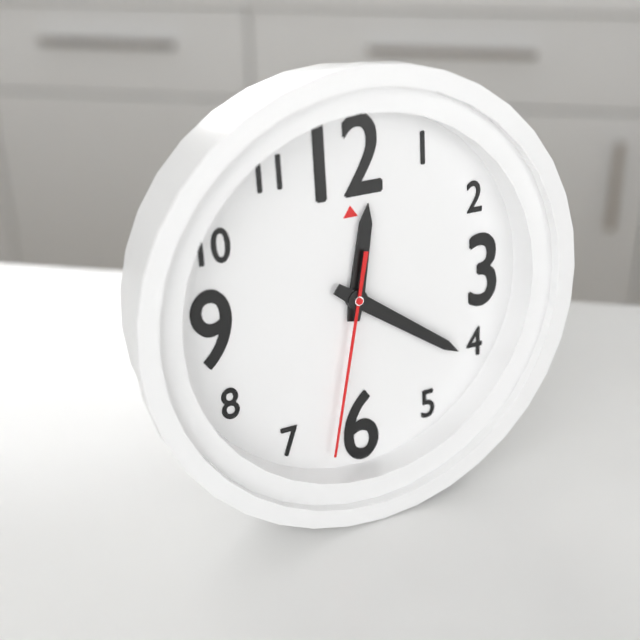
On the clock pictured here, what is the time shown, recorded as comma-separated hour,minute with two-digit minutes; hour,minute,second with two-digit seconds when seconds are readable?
12,21,32
